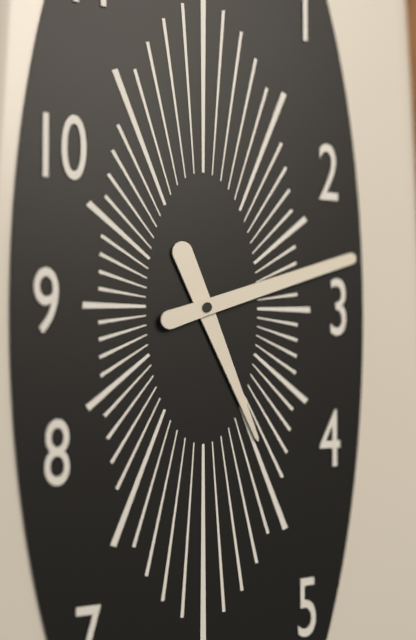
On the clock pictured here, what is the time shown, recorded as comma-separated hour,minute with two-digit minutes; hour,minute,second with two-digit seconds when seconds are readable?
5,12
